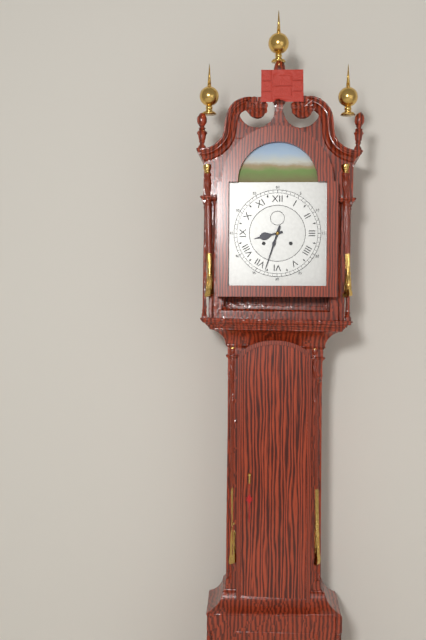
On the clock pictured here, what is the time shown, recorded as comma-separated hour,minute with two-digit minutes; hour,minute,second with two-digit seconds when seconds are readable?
8,33
